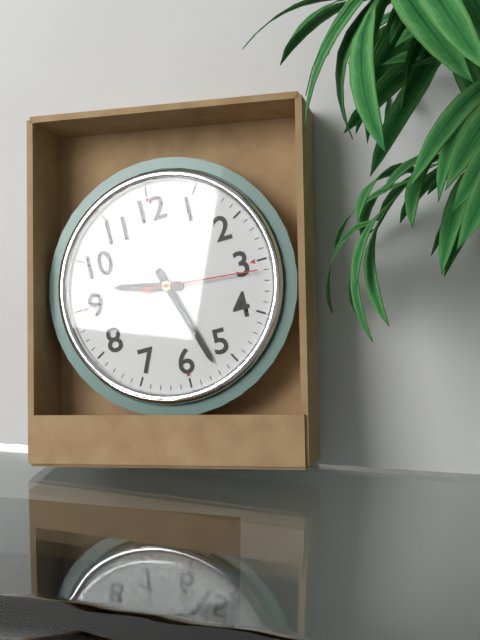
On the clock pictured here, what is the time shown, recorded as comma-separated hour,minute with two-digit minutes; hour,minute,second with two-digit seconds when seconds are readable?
9,27,16
